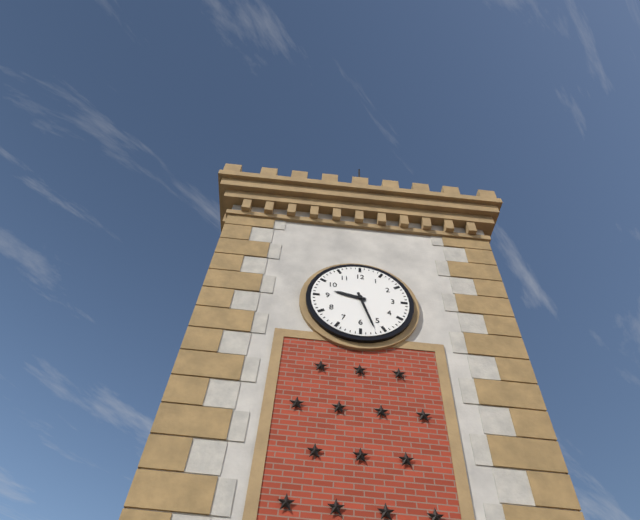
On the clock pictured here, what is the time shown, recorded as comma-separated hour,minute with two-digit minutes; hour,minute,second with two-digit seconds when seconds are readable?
9,27
